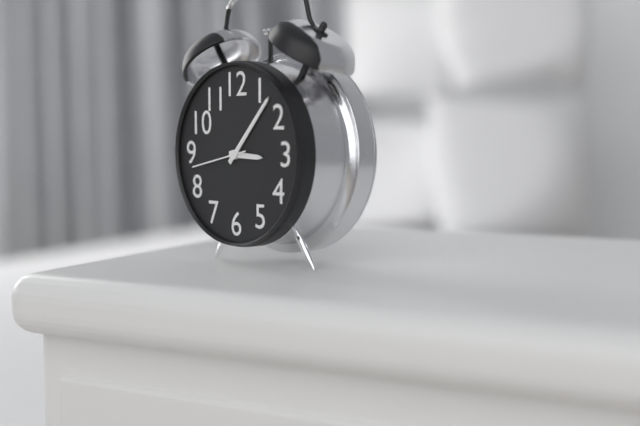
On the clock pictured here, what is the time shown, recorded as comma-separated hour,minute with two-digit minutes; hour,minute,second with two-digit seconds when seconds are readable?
3,07,43
